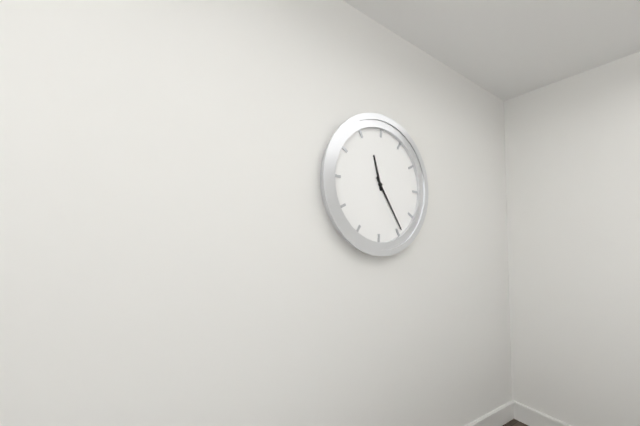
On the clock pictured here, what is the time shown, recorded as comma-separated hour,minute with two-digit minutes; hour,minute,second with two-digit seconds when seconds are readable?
11,24
